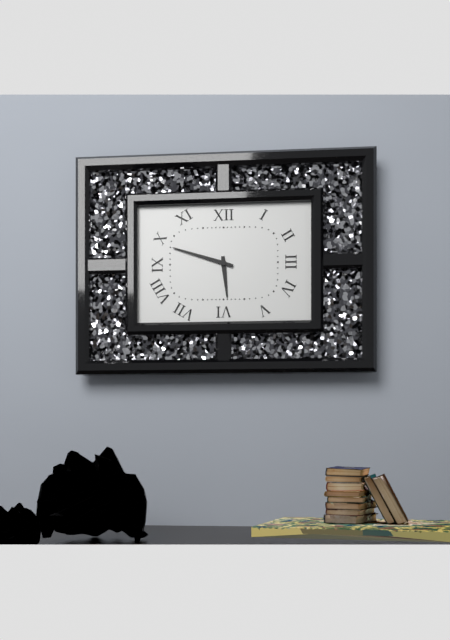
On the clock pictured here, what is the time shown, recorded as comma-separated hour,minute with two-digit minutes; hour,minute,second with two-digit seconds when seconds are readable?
5,48
